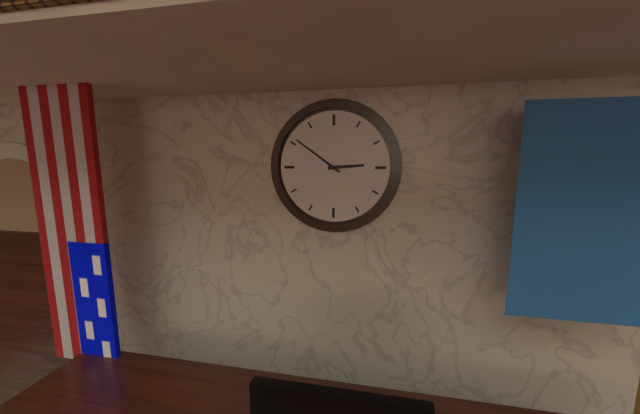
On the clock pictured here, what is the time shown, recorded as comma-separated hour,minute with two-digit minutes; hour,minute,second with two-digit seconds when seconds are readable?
2,51
